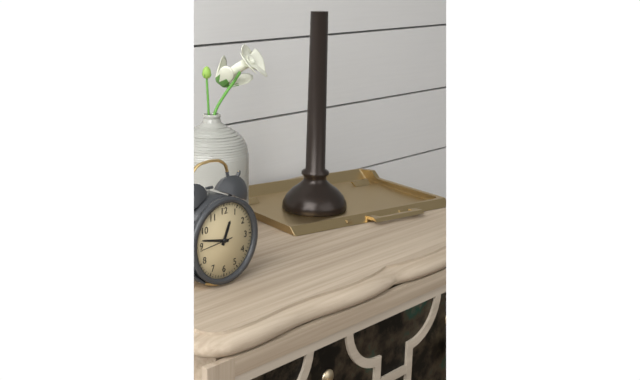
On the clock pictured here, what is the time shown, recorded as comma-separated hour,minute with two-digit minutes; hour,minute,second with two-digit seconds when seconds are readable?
12,47
